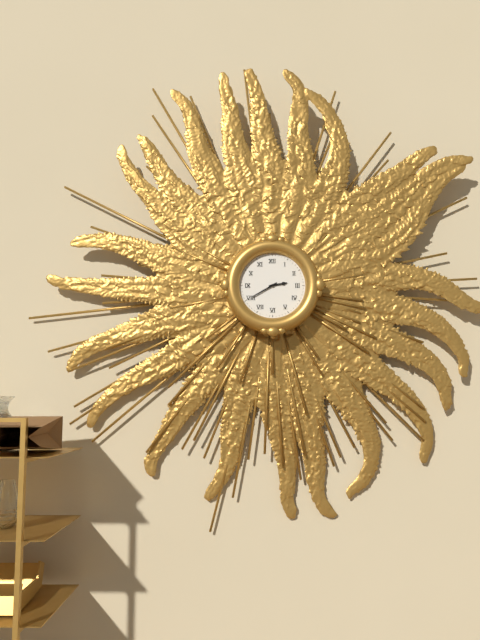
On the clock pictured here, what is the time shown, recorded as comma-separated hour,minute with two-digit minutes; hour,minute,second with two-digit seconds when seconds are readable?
2,40
